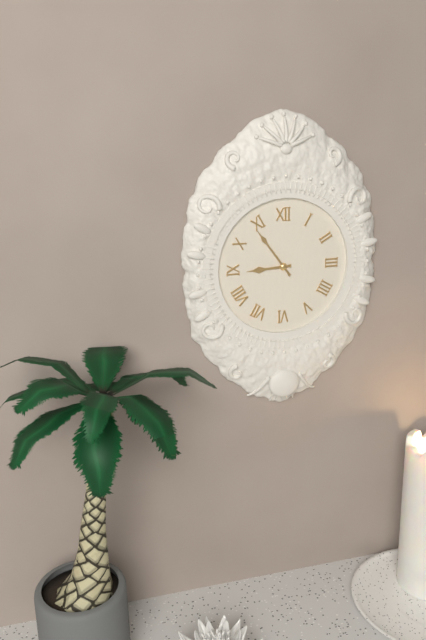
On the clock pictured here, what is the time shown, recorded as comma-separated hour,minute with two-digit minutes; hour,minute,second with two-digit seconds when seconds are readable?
8,54
